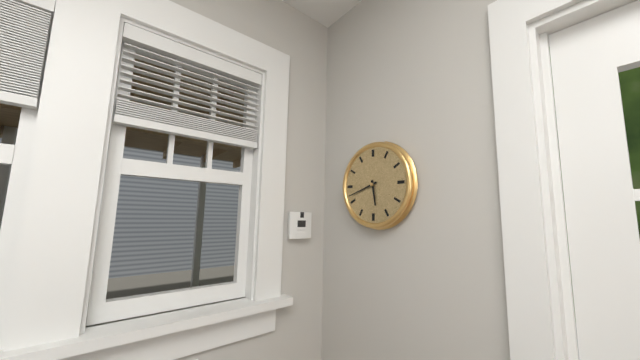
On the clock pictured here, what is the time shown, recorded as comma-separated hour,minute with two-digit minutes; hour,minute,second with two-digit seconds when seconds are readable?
5,42
